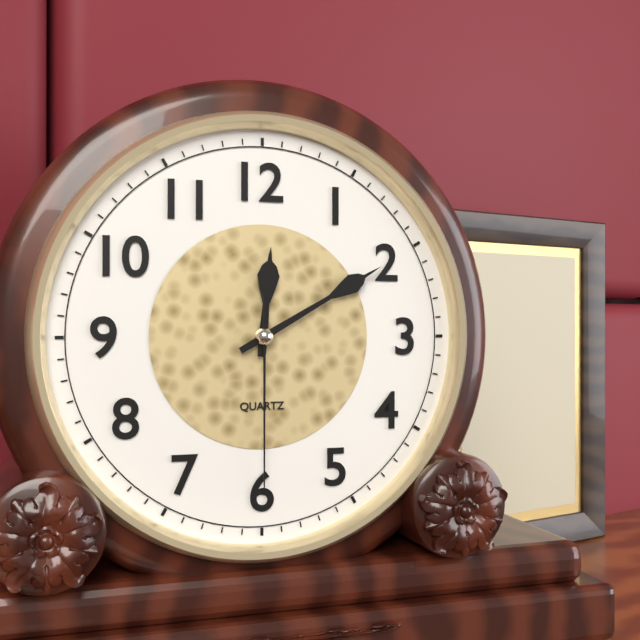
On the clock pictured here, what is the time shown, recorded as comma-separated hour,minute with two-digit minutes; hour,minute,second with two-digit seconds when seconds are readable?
12,10,30
